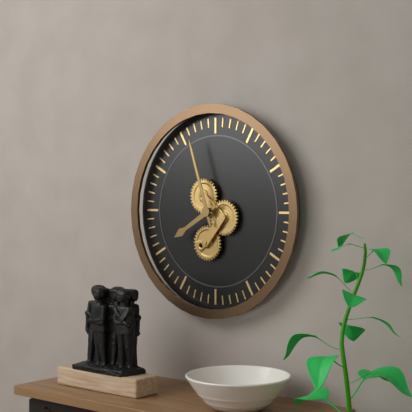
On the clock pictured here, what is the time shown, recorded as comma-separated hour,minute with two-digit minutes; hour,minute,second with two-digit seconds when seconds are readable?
7,57
